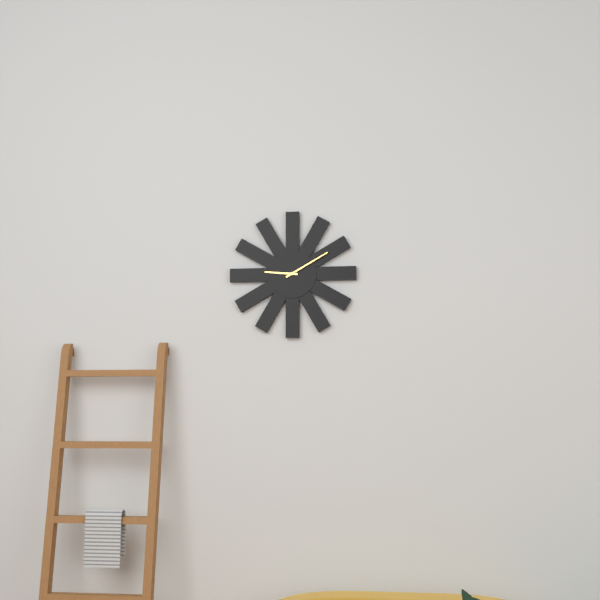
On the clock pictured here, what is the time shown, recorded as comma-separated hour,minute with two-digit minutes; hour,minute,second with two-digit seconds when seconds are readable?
9,10
